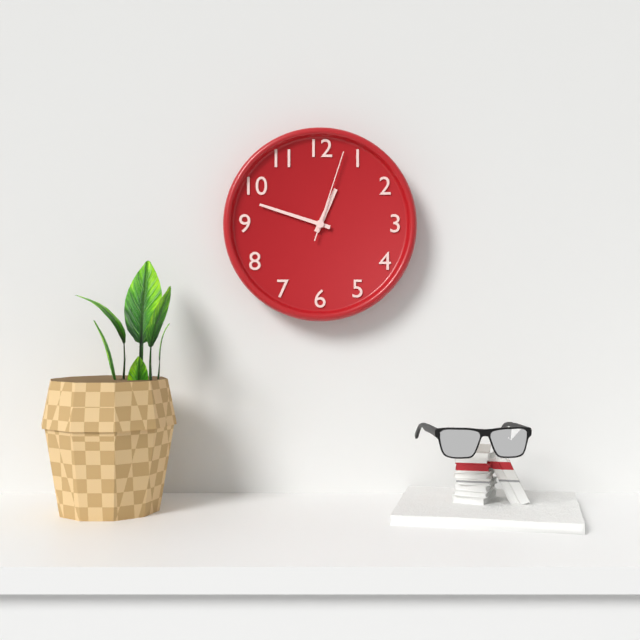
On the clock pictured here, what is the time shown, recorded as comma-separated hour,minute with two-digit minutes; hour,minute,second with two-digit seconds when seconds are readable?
12,48,03
